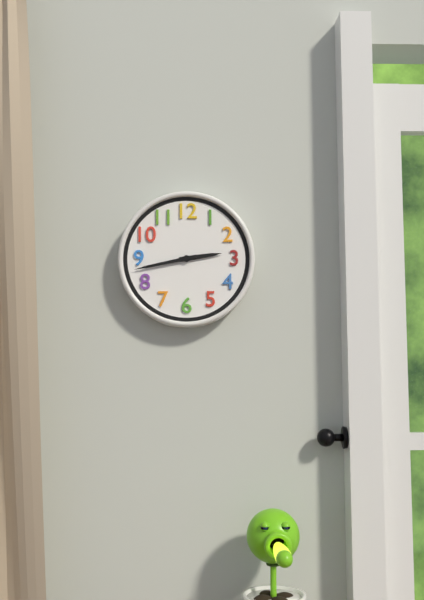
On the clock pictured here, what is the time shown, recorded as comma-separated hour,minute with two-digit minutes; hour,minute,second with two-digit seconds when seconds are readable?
2,43
